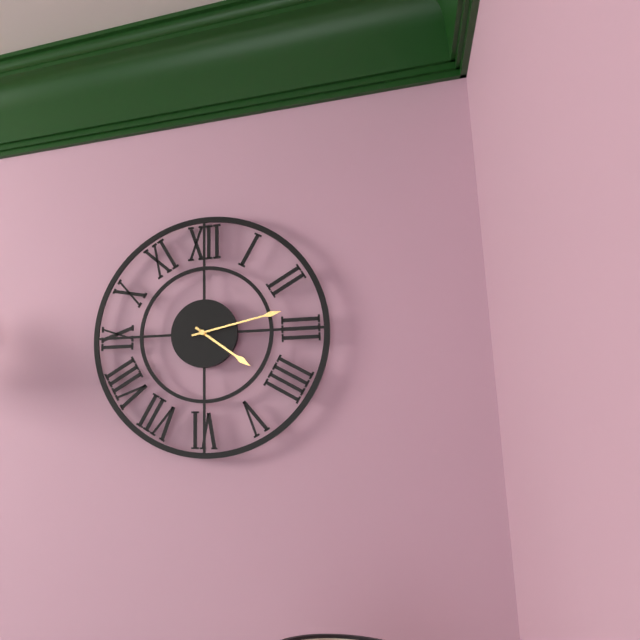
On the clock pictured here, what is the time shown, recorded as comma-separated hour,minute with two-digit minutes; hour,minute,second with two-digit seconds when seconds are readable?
4,13
